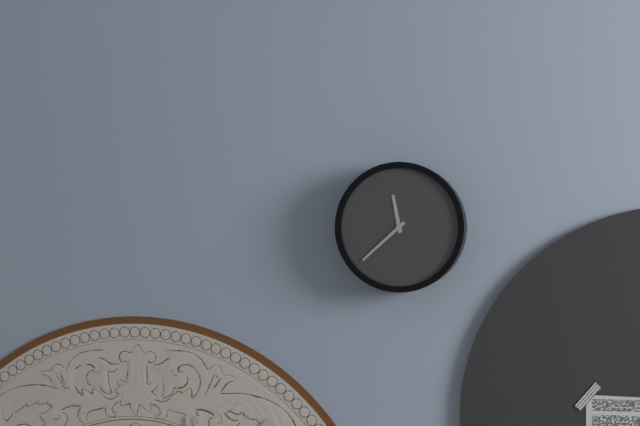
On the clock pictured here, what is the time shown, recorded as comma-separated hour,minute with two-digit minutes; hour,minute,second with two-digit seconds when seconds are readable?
11,38
